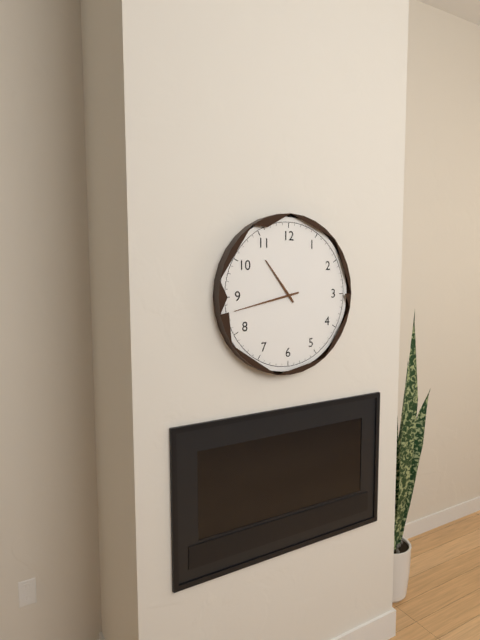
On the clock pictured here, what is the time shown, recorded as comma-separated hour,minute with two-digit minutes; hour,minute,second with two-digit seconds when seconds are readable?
10,43
